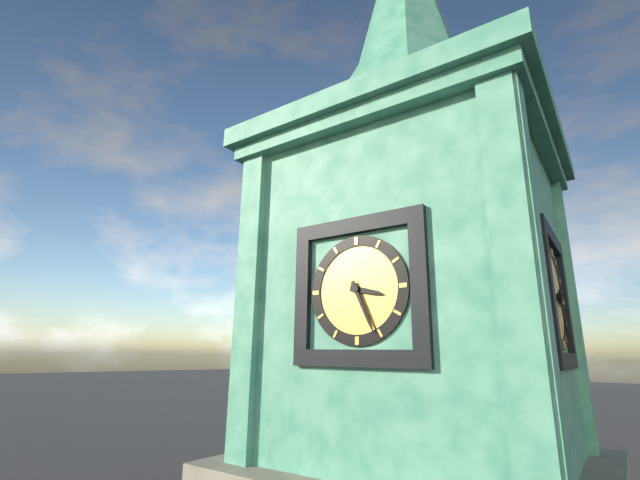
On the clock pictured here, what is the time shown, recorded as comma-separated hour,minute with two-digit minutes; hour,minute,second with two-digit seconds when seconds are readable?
3,26
